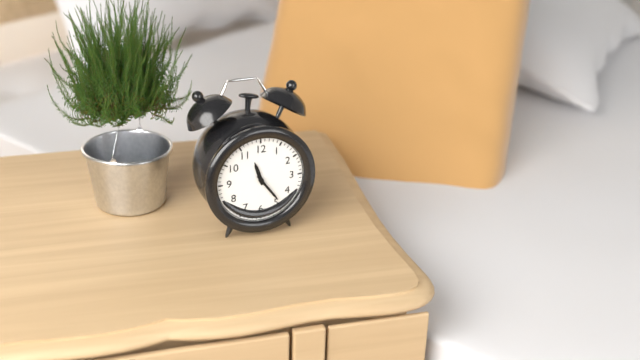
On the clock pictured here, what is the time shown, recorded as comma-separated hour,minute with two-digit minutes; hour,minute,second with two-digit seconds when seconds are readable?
11,24
